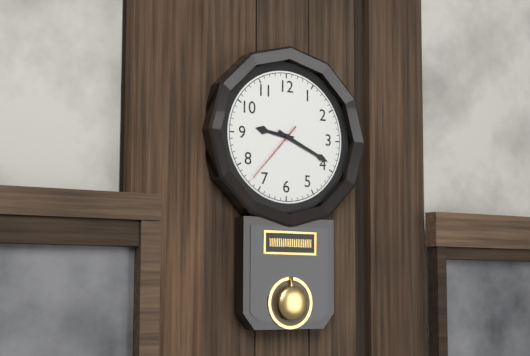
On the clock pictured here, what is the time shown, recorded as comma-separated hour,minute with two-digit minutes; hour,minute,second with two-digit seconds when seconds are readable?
9,19,37
